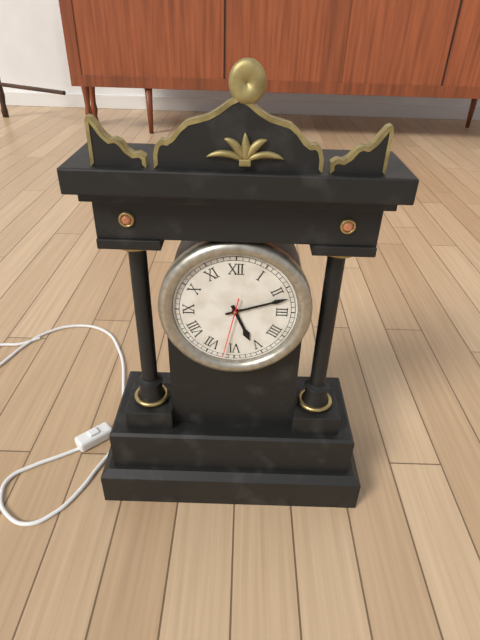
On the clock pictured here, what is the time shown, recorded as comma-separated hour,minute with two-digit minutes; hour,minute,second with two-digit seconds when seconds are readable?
5,12,32
